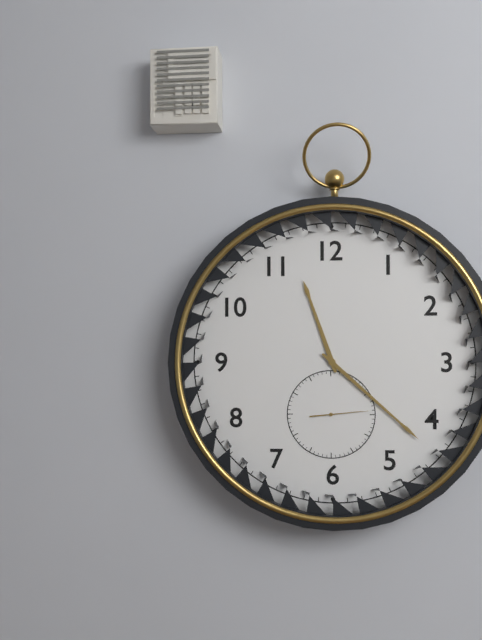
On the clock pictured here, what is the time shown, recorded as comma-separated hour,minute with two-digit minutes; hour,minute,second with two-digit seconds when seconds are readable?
11,22
